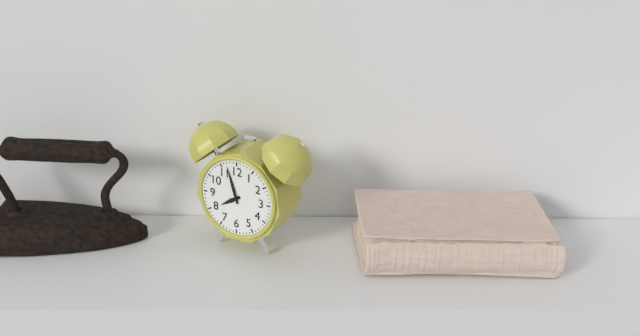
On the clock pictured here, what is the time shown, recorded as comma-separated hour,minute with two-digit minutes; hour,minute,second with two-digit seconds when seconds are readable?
7,57
